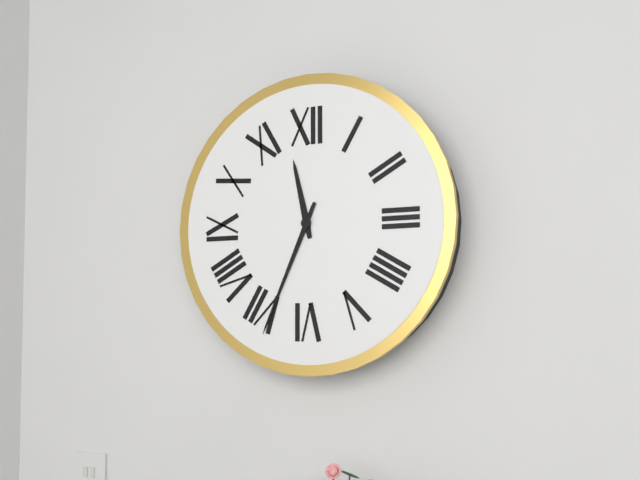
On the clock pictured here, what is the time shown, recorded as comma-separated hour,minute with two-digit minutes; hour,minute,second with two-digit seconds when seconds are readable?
11,34
